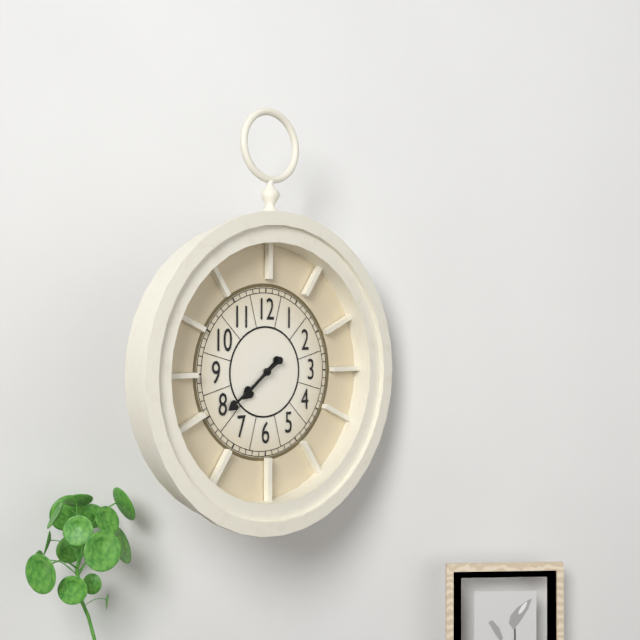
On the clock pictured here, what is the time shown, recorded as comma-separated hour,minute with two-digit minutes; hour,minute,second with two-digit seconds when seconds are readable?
7,39
